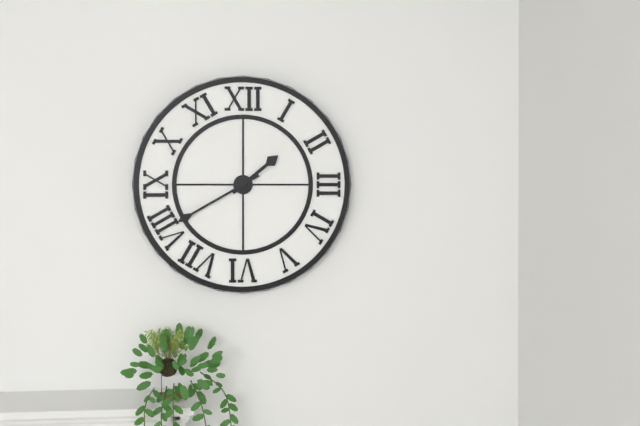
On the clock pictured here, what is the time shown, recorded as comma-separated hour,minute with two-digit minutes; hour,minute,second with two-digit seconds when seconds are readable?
1,40
